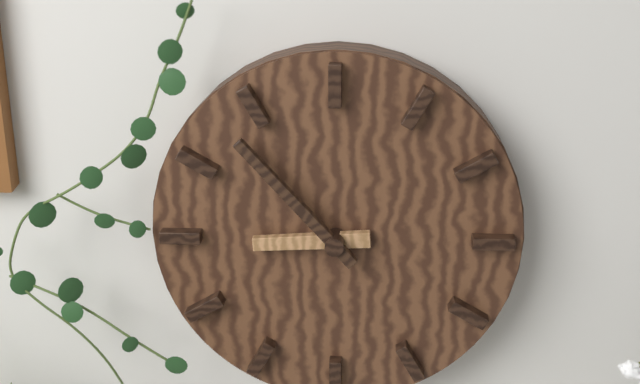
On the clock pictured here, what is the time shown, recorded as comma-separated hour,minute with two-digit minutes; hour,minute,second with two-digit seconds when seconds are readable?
8,53
